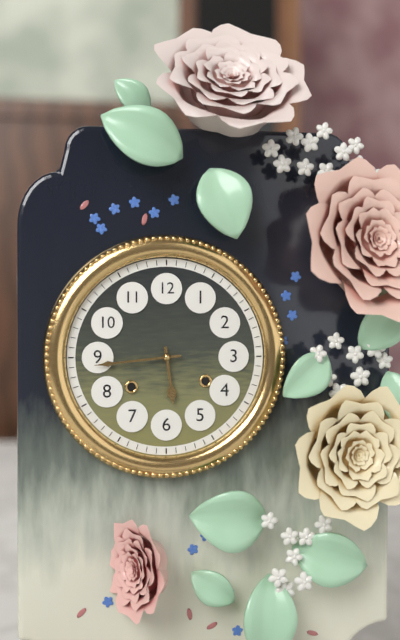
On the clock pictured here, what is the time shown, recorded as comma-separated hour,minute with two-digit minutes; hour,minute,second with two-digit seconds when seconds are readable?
5,44
